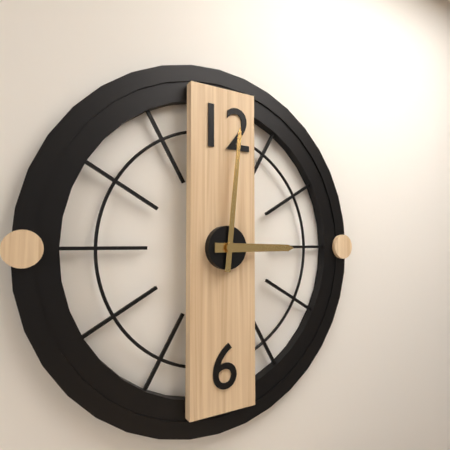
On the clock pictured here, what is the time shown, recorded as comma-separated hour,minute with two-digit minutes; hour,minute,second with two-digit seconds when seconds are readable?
3,01
